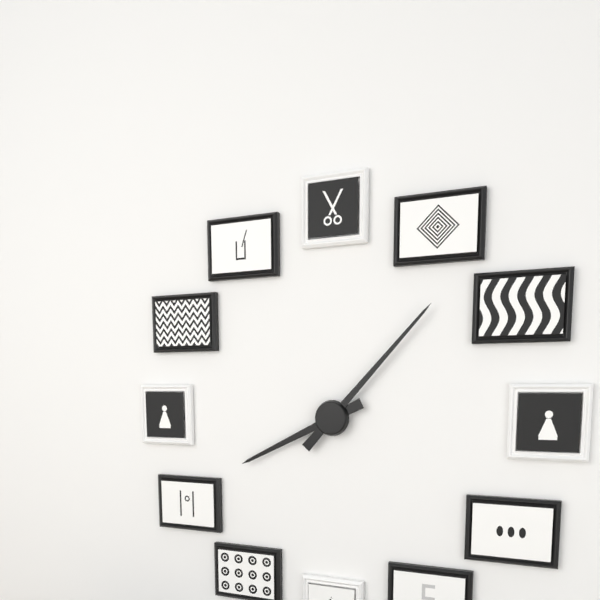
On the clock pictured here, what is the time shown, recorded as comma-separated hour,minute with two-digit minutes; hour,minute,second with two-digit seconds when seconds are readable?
8,07
